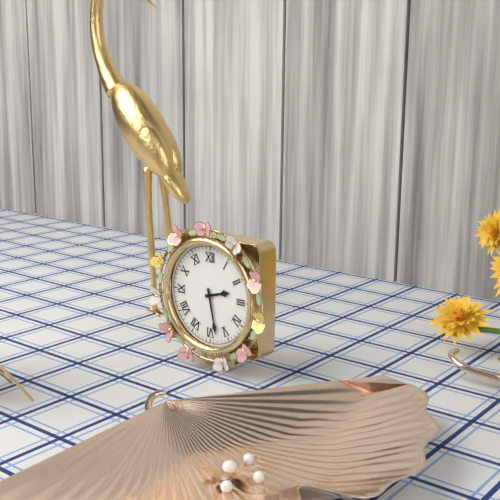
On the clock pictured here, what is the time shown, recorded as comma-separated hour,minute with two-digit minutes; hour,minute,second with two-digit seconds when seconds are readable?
2,28
